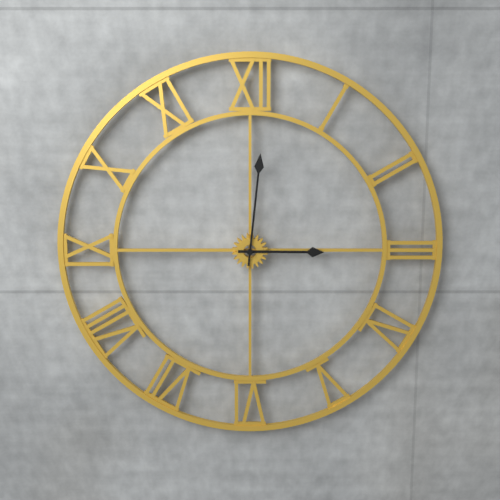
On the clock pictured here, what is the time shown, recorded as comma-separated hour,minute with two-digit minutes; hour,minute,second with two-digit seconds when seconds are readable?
3,01
